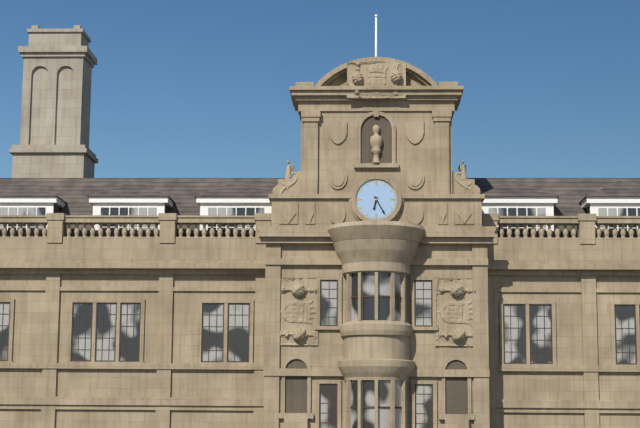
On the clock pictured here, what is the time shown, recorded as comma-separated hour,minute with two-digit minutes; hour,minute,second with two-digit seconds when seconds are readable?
6,25
